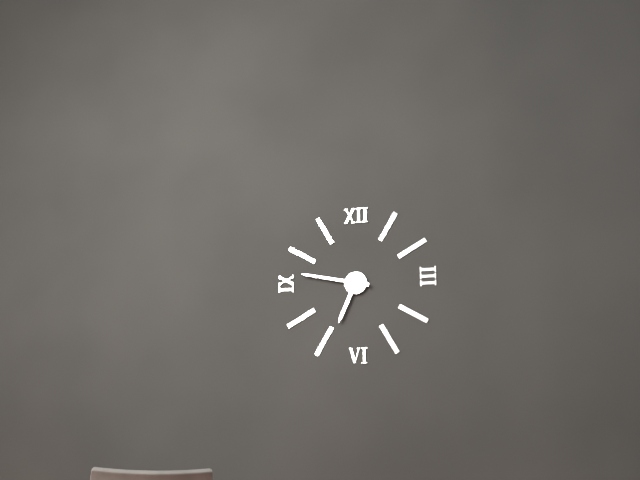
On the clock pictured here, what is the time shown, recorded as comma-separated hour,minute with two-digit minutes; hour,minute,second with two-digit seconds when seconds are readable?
6,47
